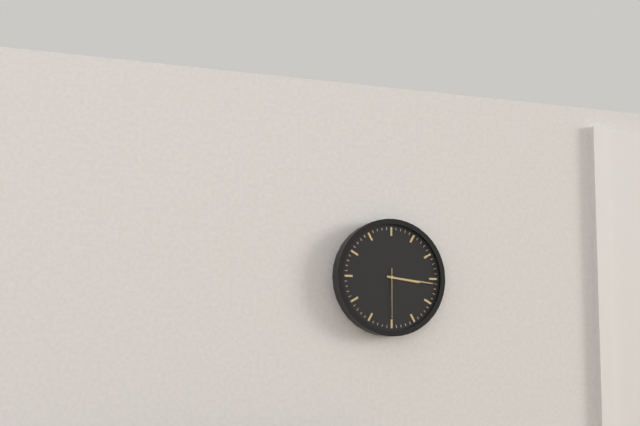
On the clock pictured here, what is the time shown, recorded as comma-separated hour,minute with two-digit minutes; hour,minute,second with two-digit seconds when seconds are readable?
3,16,30
